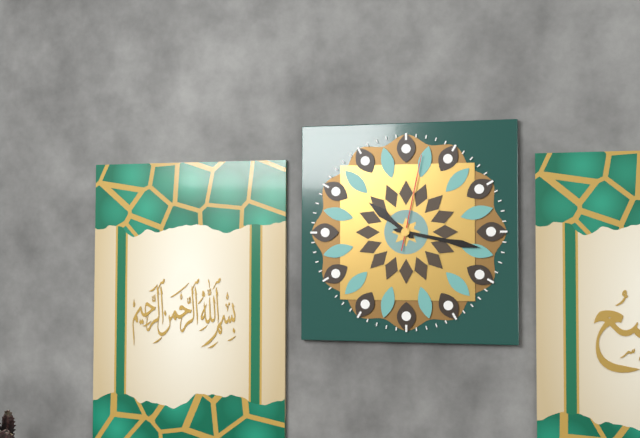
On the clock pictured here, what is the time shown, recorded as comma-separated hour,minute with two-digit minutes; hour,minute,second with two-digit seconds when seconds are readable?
10,17,02
